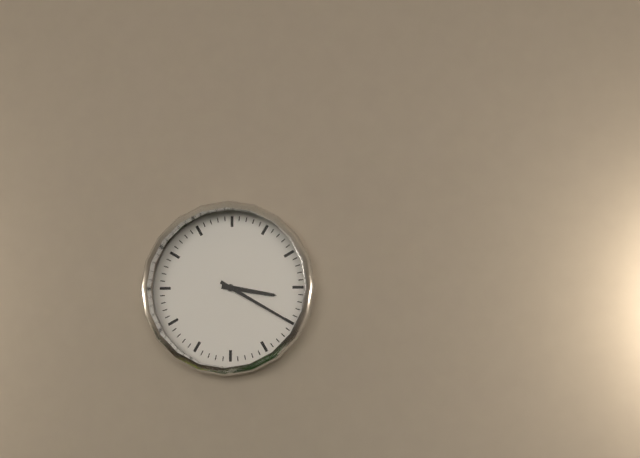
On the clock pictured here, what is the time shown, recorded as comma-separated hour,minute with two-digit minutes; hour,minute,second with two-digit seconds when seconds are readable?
3,20
